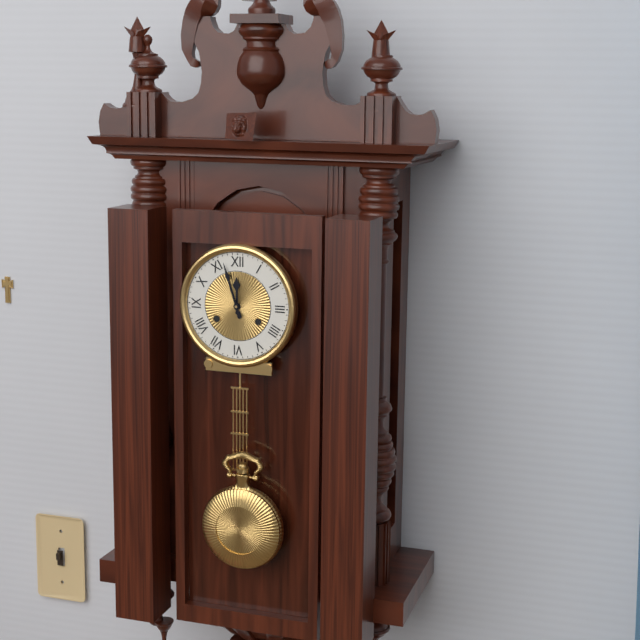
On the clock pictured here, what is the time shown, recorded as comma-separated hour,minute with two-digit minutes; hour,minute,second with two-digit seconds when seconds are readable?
11,57
